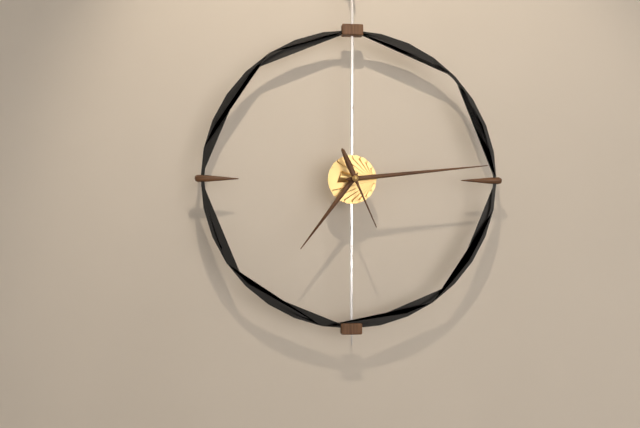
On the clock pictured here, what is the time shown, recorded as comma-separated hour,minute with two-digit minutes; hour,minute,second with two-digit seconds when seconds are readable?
7,14,26
